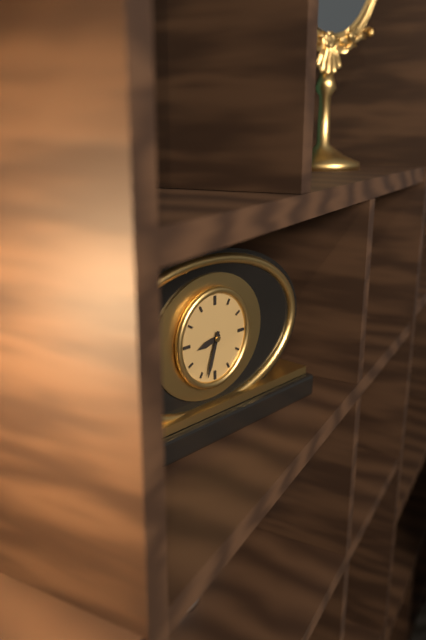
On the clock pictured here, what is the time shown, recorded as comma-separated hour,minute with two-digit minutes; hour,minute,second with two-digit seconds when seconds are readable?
8,33
